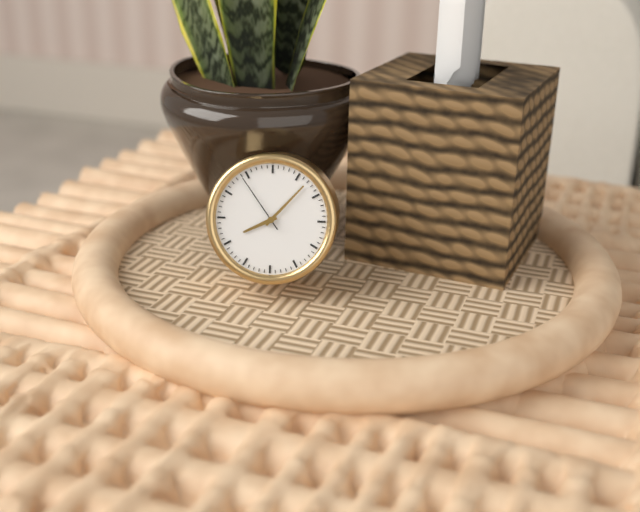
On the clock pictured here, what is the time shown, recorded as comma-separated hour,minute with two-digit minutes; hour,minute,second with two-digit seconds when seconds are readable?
8,07,54
